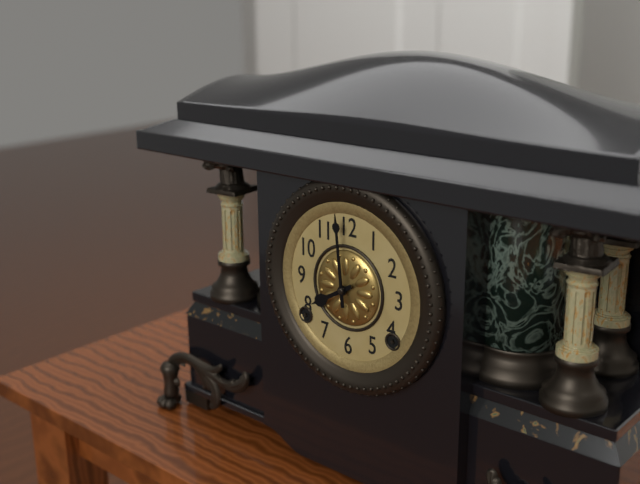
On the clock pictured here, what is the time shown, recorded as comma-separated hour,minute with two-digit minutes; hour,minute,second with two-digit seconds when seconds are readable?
7,59
